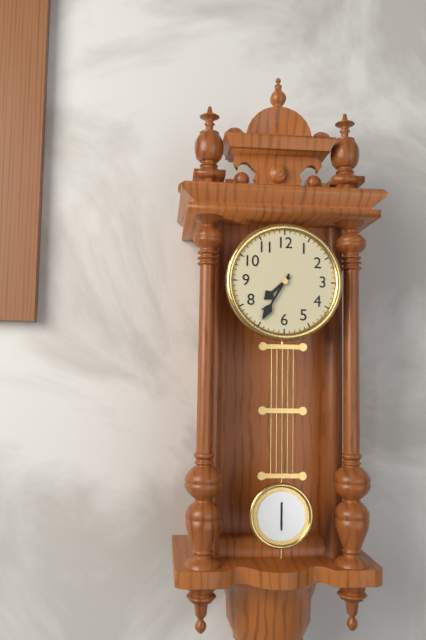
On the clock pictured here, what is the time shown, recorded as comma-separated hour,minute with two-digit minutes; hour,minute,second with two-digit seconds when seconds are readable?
7,35
